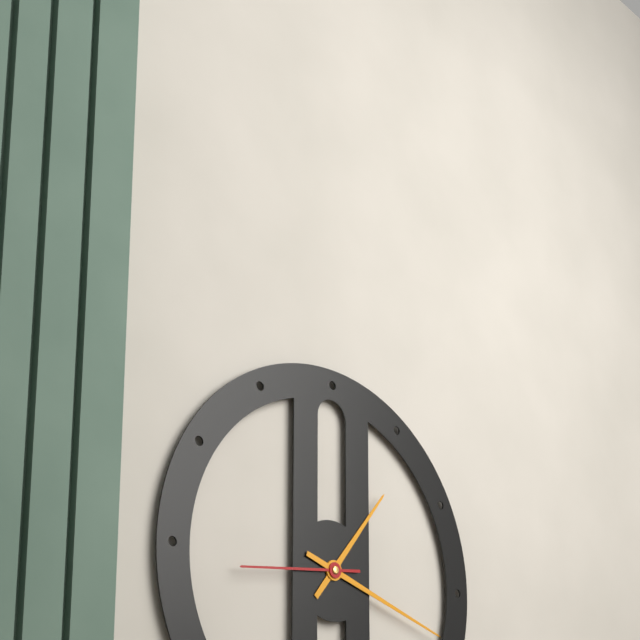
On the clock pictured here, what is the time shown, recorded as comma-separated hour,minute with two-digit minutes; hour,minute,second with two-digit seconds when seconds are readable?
1,18,44
